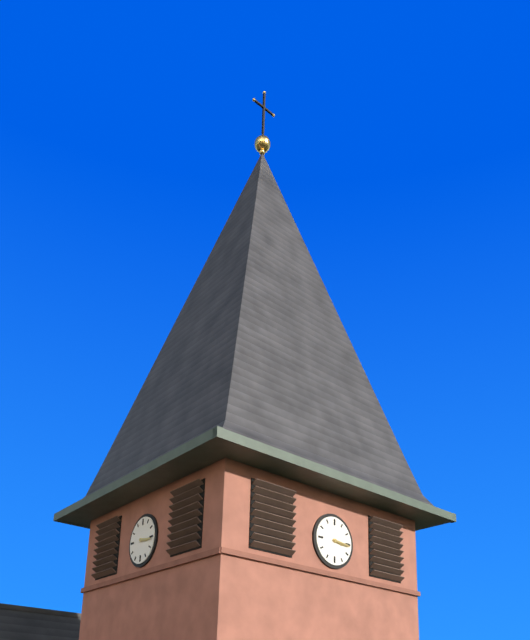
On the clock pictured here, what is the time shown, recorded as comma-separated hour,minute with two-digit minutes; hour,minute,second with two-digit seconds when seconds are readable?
3,16
